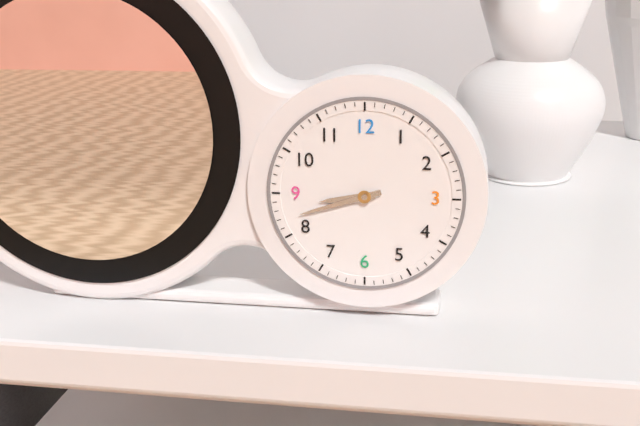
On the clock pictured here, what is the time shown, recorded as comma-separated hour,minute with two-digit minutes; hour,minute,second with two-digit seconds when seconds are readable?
8,42
